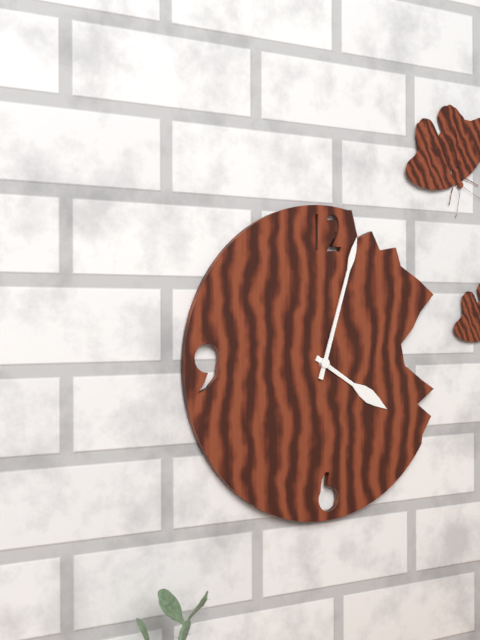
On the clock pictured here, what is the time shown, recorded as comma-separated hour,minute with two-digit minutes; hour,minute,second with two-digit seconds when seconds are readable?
4,03
